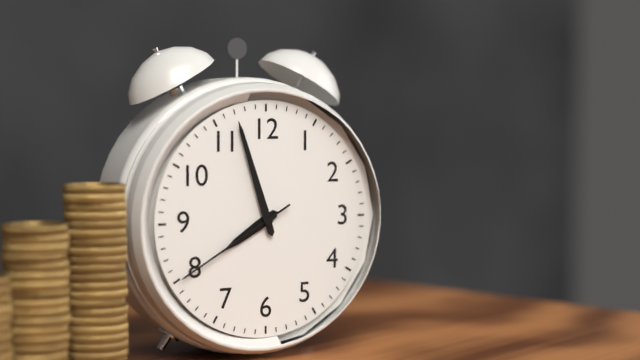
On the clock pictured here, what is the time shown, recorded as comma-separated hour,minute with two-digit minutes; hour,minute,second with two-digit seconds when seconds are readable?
7,57,40
